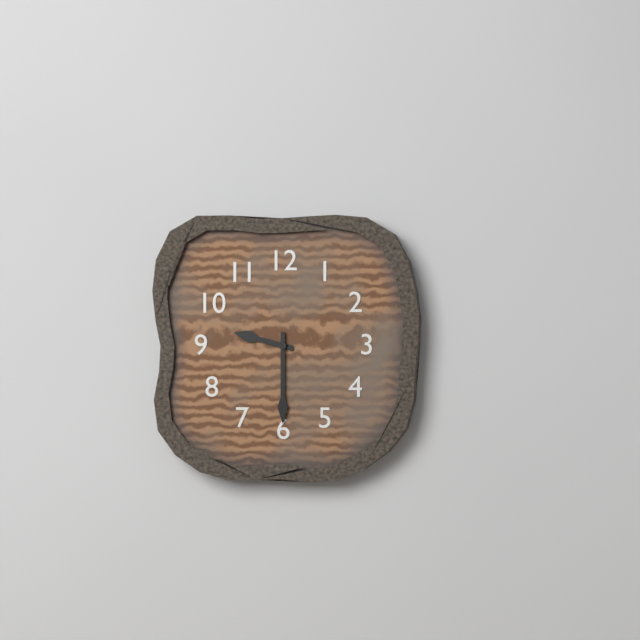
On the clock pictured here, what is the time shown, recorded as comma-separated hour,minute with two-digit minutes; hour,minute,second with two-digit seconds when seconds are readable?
9,30
